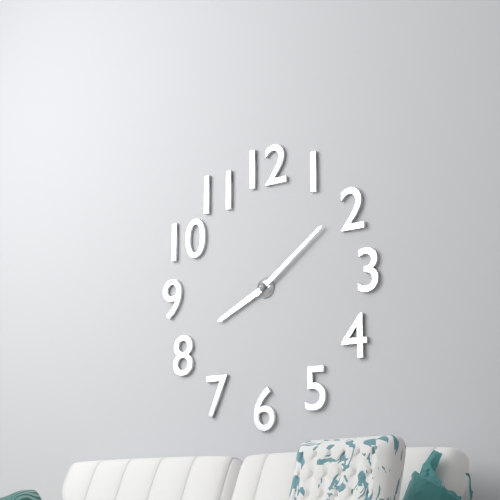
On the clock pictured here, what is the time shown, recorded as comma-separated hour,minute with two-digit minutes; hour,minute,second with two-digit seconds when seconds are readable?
8,09
